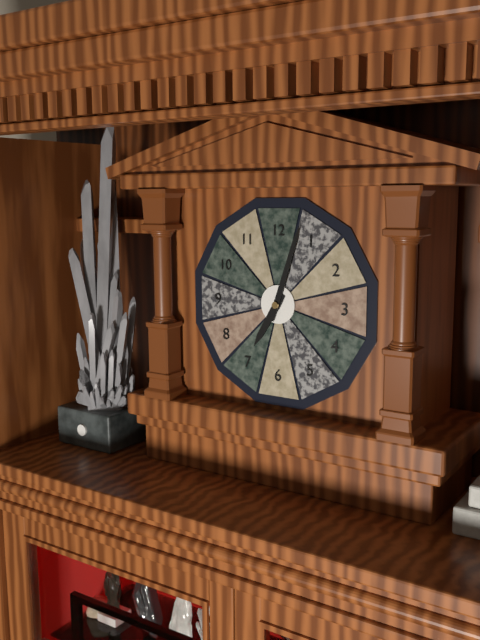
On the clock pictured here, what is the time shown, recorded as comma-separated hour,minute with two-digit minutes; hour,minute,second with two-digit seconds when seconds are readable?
7,03
